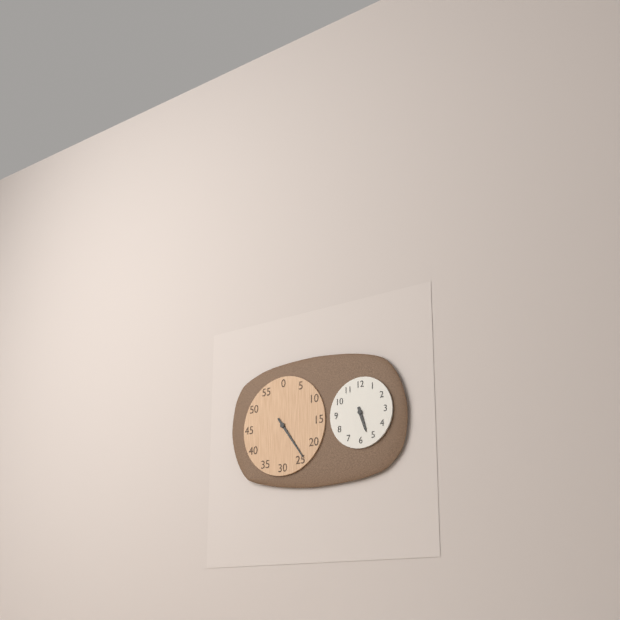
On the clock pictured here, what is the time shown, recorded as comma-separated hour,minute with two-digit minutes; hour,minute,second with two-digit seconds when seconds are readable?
5,24
